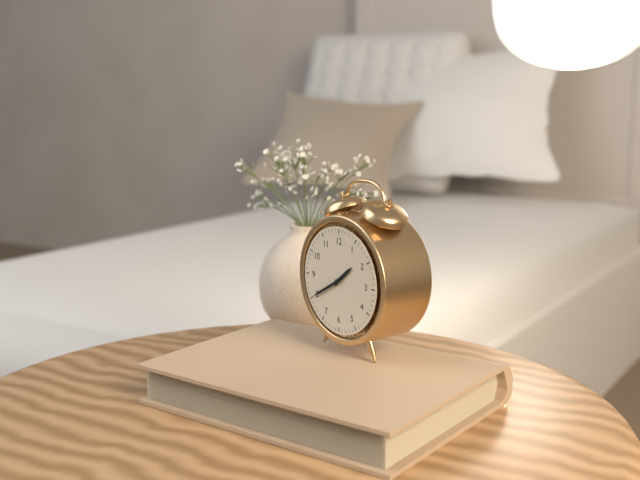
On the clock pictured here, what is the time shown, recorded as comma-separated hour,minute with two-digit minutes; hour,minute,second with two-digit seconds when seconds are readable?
1,40
